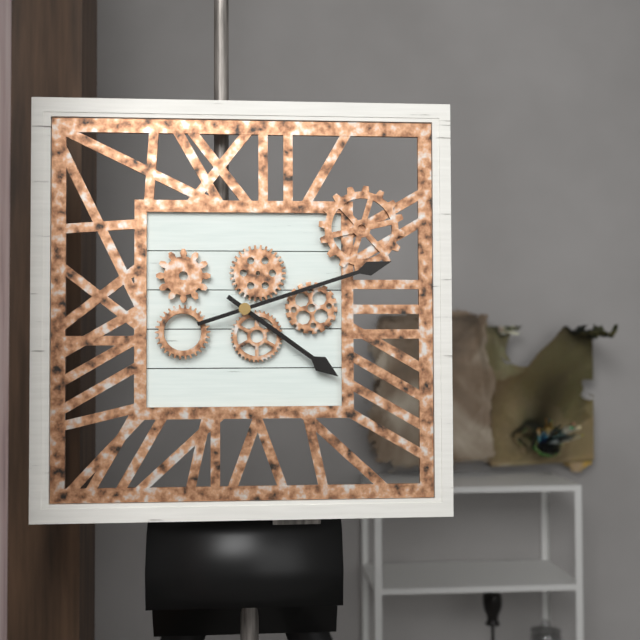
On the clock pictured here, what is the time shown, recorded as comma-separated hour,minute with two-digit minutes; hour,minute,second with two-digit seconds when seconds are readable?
4,12
